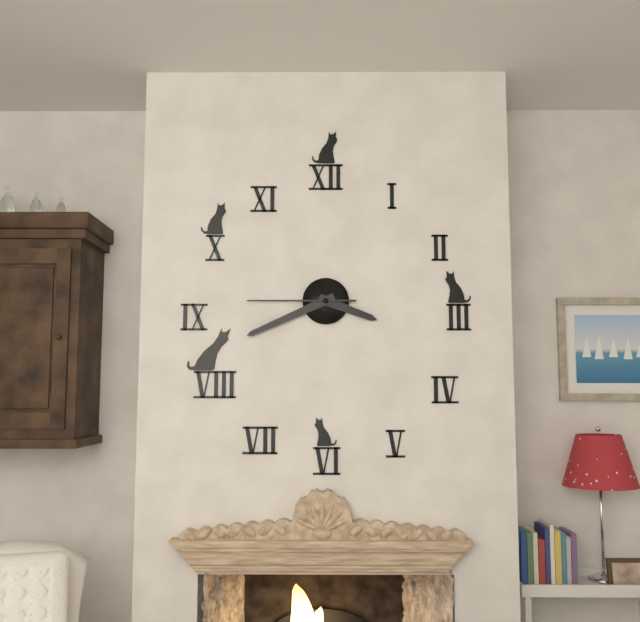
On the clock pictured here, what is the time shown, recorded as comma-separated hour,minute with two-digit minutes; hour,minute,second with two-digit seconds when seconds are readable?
3,41,45
